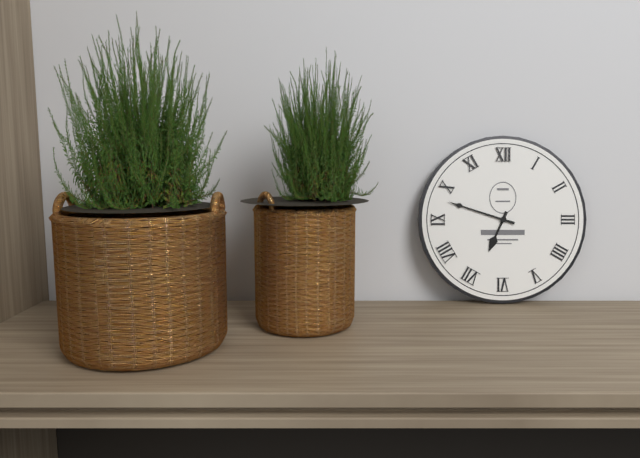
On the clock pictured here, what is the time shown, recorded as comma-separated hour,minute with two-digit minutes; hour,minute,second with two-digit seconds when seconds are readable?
6,48
